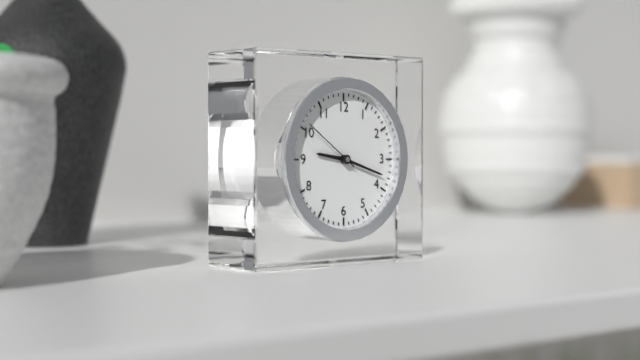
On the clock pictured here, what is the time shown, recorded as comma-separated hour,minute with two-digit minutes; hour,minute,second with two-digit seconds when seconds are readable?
9,18,51
